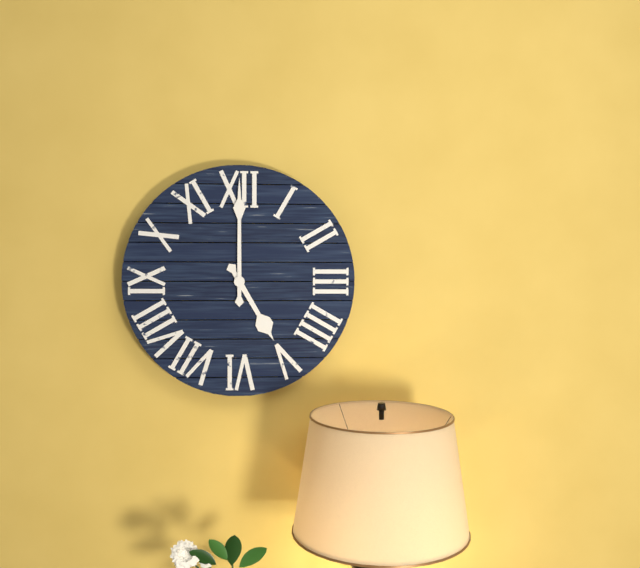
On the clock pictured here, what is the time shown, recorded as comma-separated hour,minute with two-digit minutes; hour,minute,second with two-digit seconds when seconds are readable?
5,00
